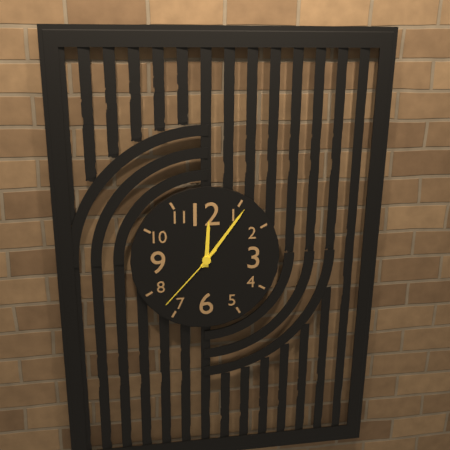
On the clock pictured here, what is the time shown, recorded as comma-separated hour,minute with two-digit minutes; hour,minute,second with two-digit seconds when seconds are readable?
12,06,37
